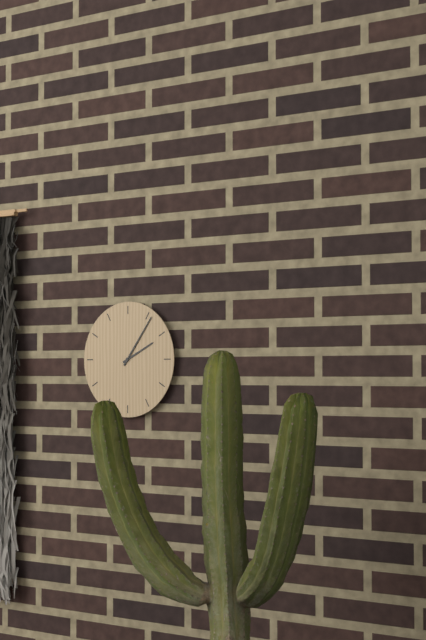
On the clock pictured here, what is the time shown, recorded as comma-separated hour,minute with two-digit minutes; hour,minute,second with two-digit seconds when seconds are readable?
2,06
